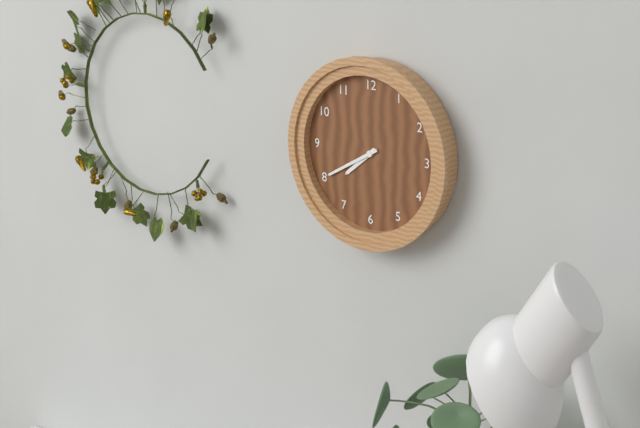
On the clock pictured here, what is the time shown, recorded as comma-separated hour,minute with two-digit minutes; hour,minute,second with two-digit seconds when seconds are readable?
7,40
